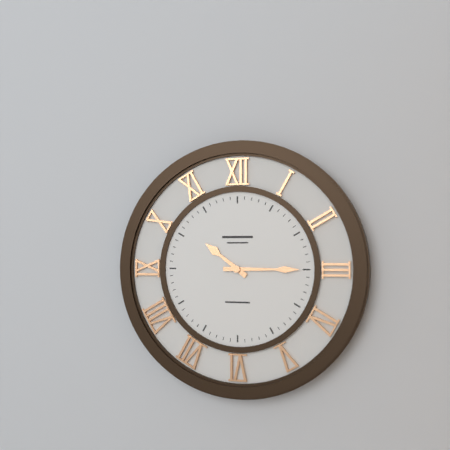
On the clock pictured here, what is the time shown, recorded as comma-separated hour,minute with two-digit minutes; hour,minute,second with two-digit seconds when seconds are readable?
10,15
